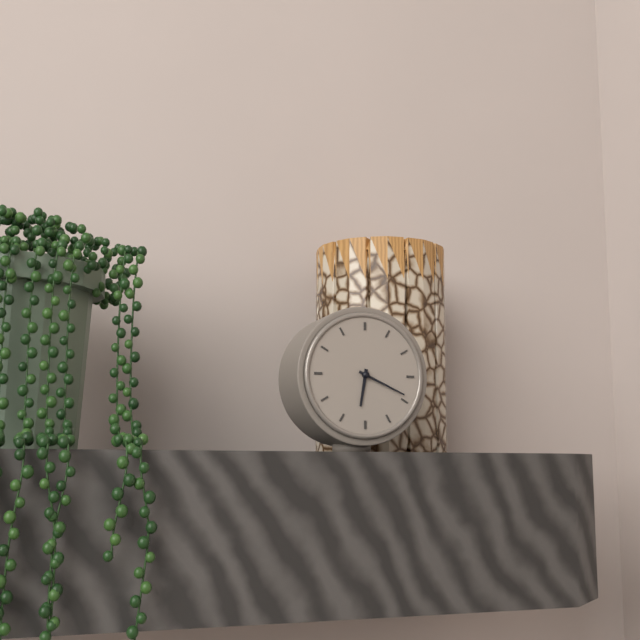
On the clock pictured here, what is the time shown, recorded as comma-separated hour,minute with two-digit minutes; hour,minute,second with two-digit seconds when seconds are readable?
6,19
